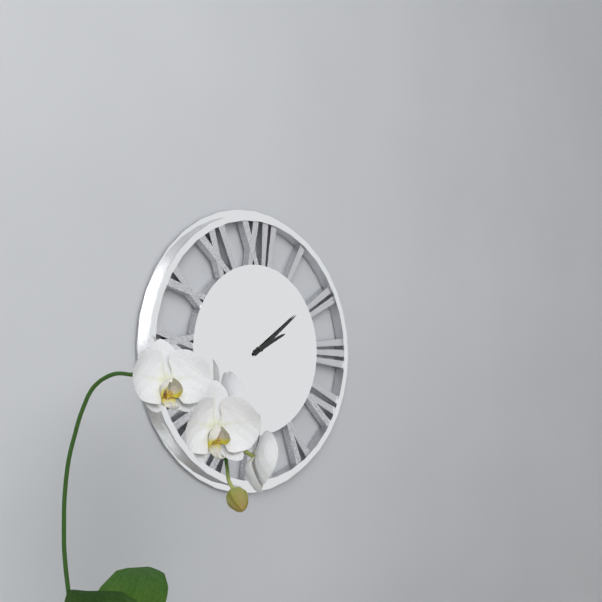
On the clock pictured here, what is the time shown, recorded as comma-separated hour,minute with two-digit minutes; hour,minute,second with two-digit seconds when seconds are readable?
2,09
